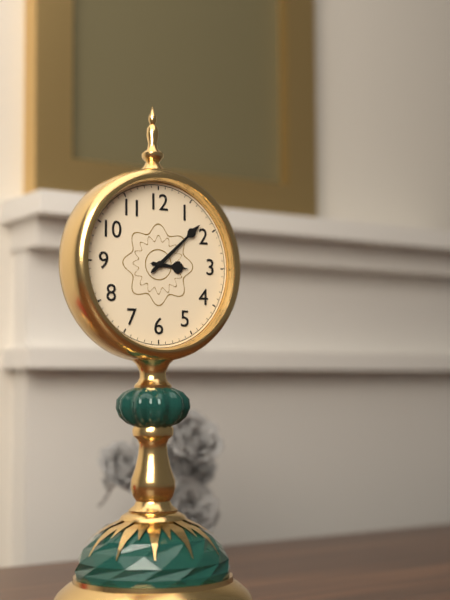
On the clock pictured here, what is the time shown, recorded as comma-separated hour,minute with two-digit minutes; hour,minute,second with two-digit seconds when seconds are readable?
3,08
